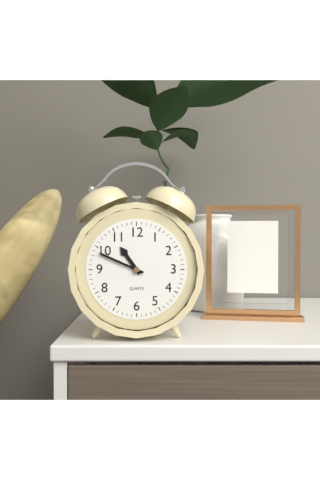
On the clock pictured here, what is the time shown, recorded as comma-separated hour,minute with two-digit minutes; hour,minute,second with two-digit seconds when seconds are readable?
10,49
